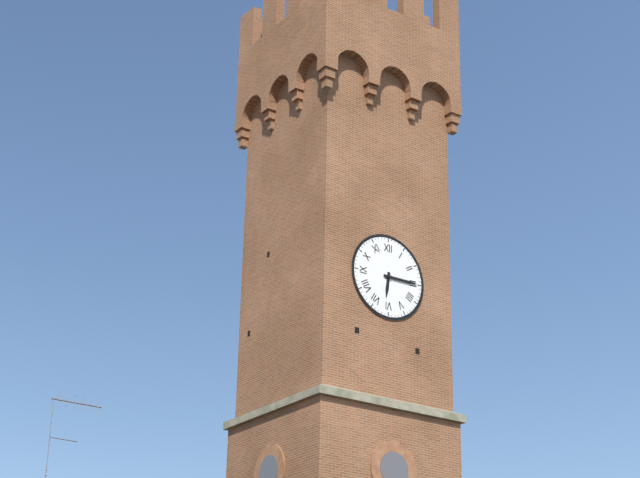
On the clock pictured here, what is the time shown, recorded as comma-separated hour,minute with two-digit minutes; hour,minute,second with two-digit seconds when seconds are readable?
6,15
